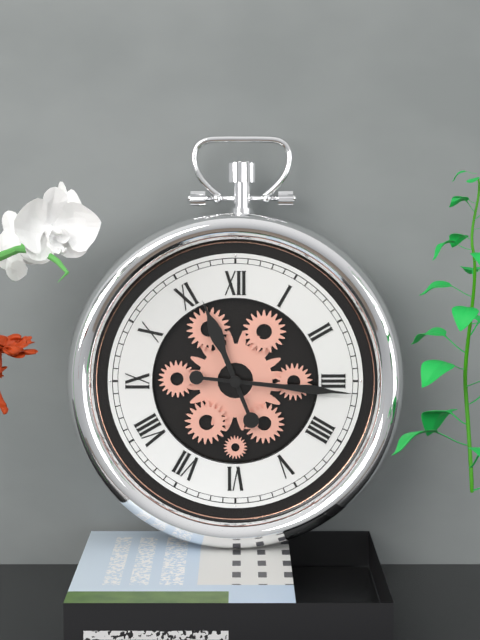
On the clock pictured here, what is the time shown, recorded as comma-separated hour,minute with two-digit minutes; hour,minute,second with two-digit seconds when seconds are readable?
11,16
